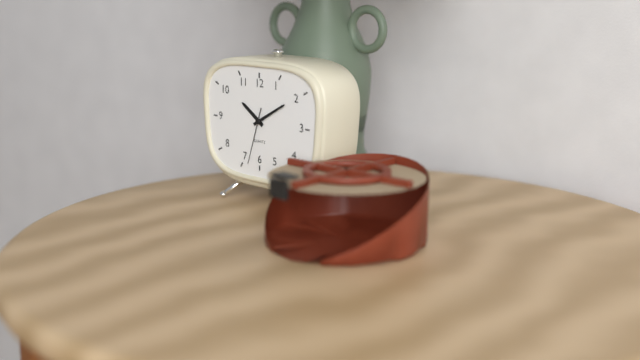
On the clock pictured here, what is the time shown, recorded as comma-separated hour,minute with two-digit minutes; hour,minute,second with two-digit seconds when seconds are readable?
10,10,33
